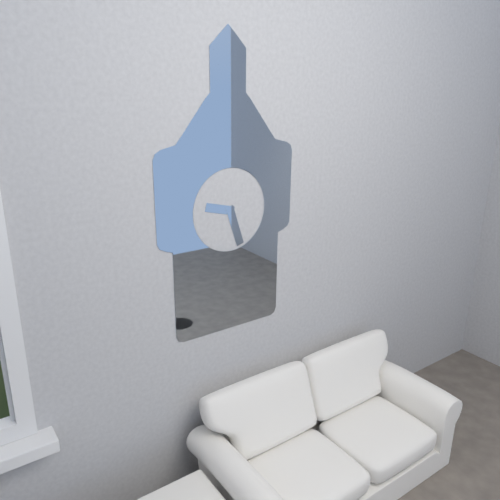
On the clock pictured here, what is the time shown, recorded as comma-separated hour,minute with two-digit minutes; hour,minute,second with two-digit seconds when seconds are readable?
9,27
